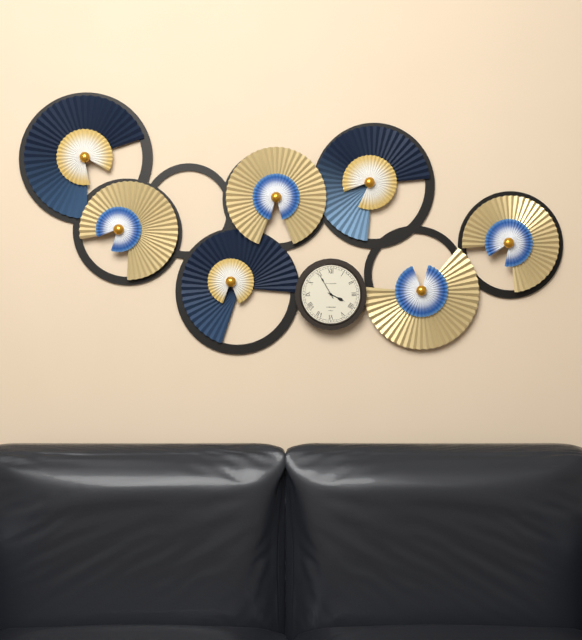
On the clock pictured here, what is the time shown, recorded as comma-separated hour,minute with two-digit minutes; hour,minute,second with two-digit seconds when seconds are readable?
3,55
